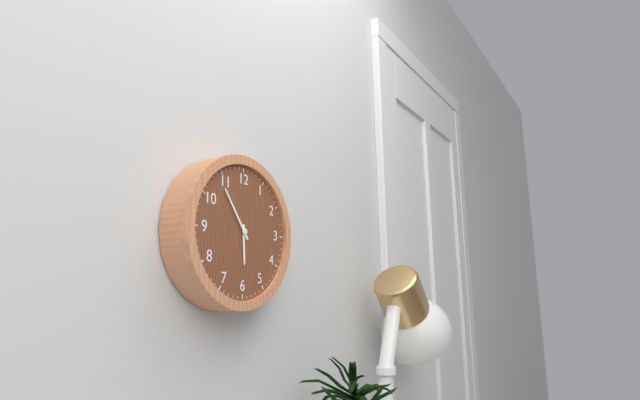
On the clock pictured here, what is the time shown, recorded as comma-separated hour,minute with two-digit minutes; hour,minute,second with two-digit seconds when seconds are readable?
5,54
